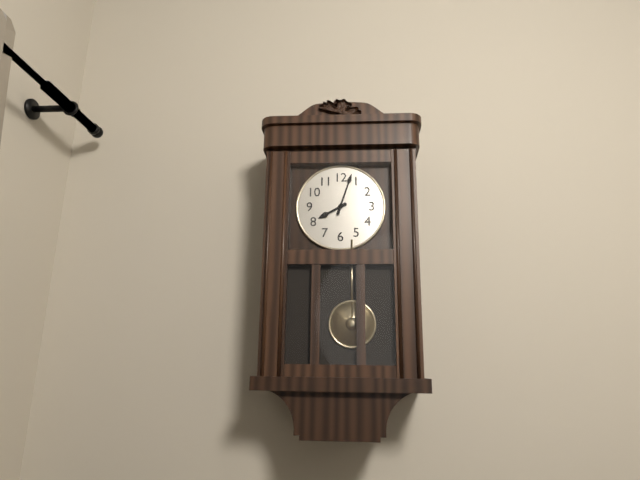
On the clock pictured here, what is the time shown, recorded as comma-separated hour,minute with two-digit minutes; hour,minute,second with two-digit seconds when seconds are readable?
8,03
